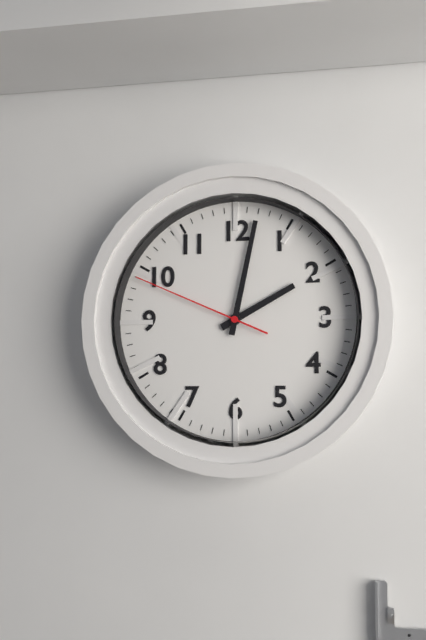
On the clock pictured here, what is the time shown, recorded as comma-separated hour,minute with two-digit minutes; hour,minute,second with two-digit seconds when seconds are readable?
2,02,49
